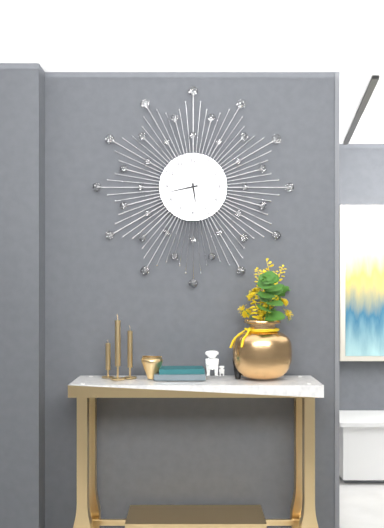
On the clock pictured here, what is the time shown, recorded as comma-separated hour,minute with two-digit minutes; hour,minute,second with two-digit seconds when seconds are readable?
5,43
